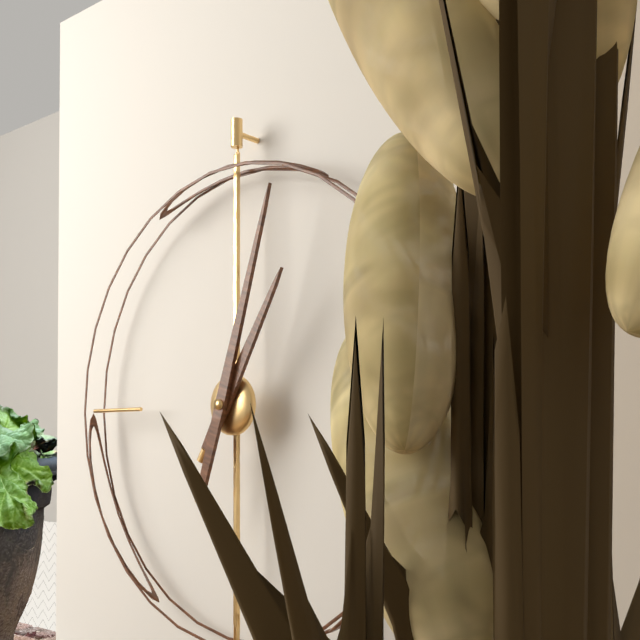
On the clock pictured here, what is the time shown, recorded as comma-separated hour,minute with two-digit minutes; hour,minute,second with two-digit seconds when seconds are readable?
1,03
